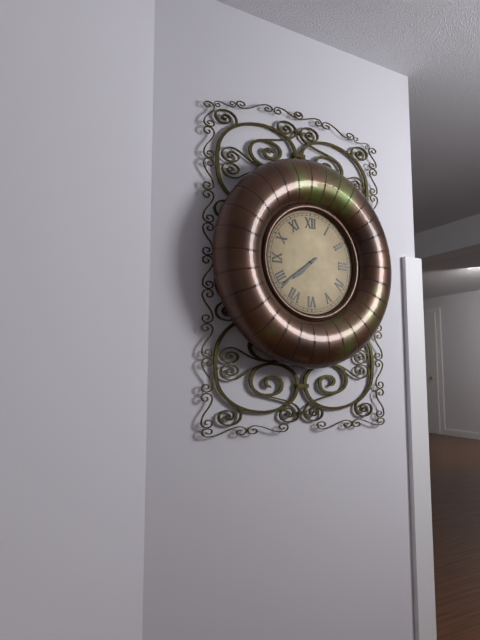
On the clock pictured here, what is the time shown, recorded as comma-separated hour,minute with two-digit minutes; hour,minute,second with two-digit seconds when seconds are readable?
7,39
